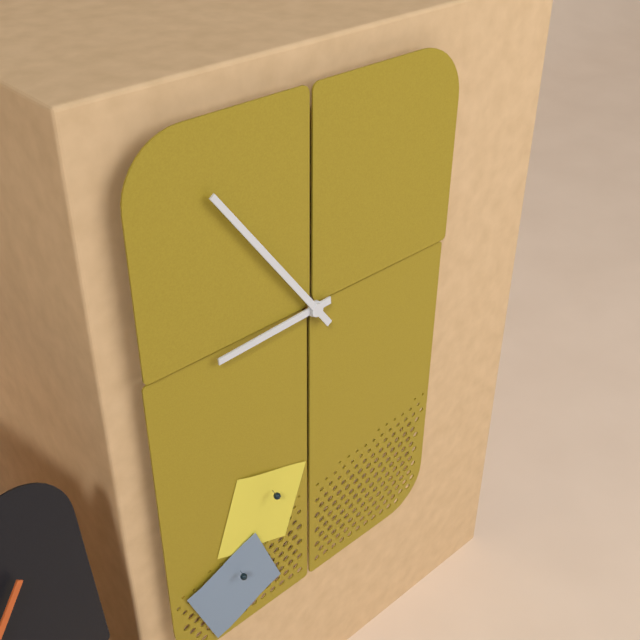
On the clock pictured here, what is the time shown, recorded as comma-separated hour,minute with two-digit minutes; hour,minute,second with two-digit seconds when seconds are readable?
8,54
